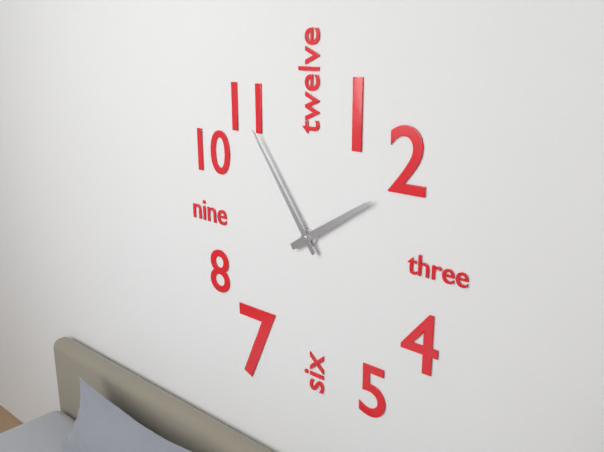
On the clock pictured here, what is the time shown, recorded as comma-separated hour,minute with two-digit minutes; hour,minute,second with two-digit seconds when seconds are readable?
1,54
